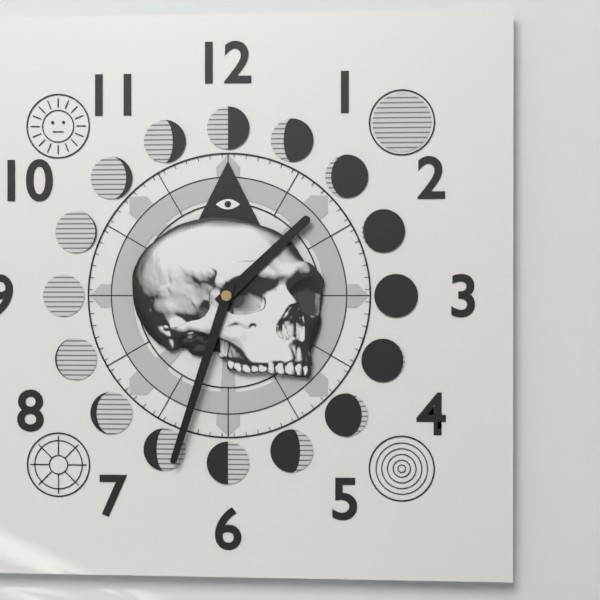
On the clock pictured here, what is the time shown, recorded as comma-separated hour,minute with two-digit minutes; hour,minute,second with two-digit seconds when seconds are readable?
1,33
